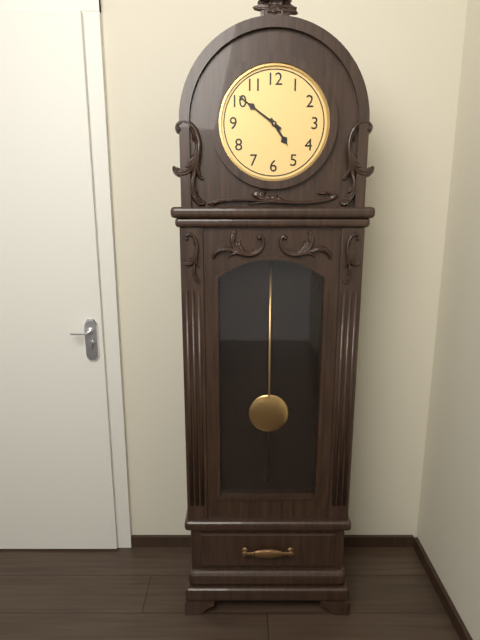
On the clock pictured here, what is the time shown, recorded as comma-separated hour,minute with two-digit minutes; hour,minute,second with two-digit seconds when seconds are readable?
4,51
